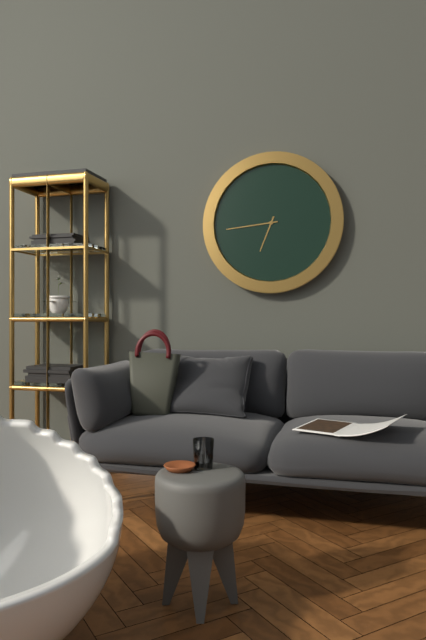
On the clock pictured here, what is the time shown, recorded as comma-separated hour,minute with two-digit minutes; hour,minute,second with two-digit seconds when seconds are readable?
6,44
